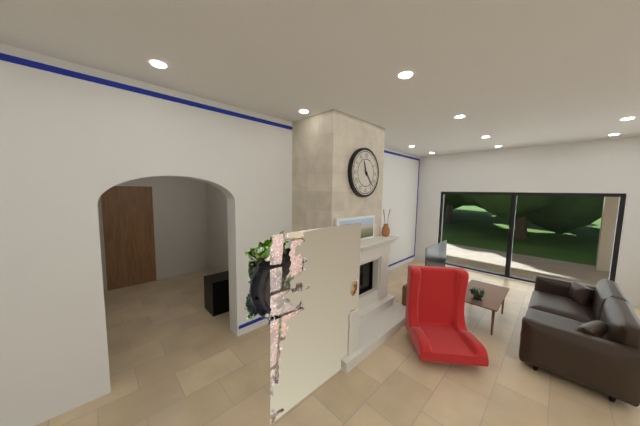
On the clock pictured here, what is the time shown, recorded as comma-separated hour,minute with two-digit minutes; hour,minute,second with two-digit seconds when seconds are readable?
11,23
